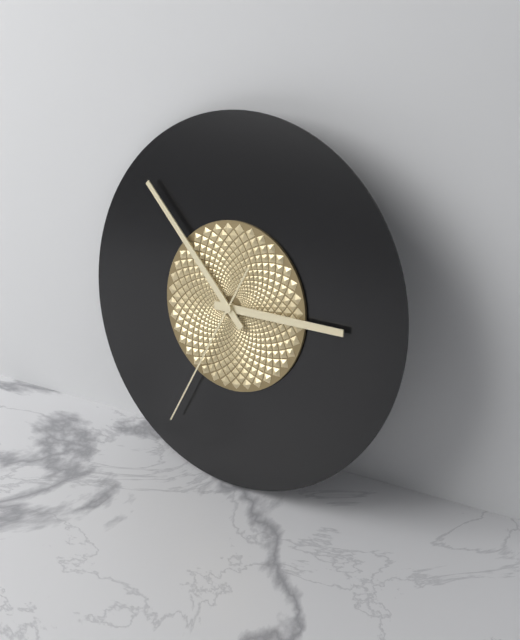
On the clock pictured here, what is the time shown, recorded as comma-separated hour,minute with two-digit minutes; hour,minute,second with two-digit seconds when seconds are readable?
2,52,34
